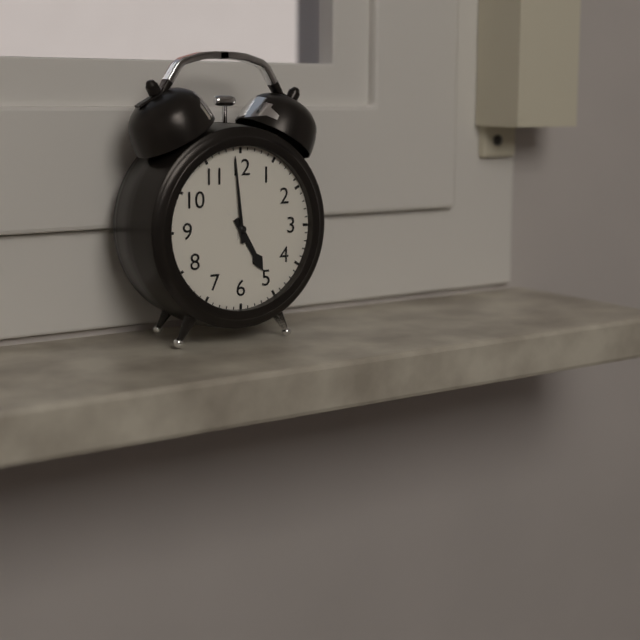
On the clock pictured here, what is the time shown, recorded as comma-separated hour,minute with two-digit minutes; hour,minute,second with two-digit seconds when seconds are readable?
4,59
